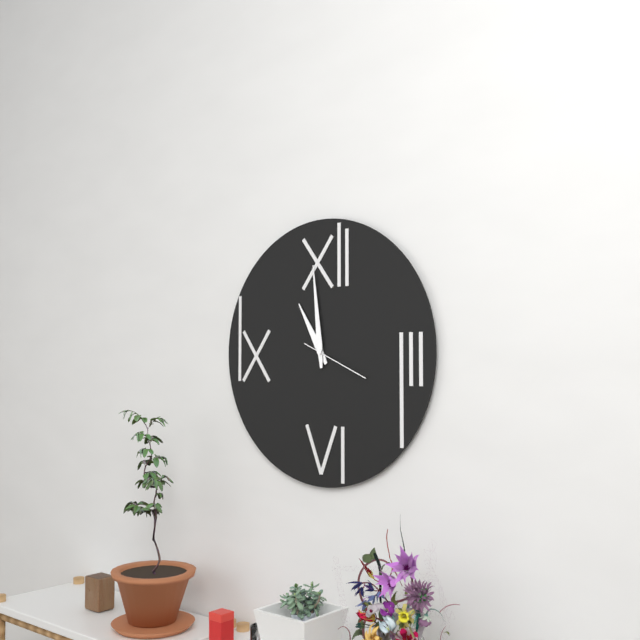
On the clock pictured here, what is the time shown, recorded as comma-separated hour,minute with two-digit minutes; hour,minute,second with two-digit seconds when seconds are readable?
10,59,19
